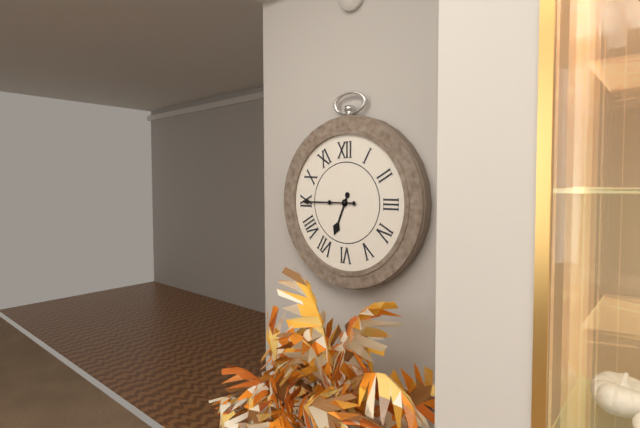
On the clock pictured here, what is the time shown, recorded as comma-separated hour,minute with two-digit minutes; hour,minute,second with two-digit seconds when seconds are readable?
6,45
